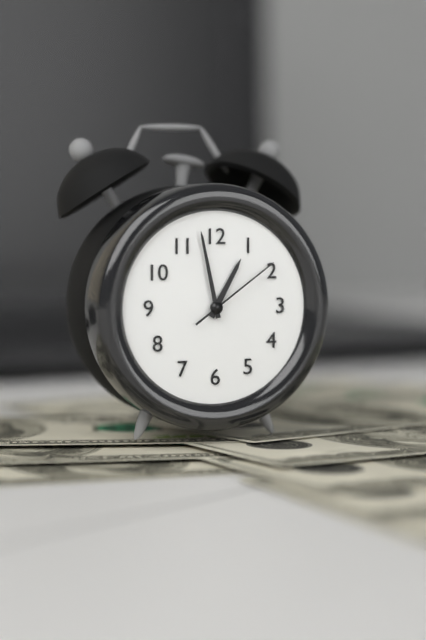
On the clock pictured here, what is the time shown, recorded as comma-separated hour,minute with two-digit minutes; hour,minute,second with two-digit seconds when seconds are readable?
12,58,09
